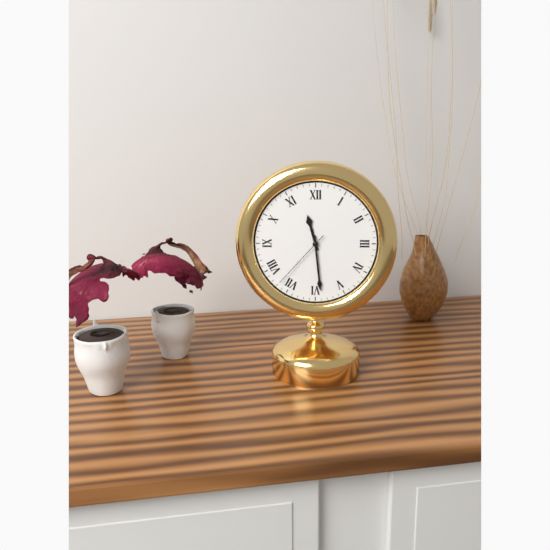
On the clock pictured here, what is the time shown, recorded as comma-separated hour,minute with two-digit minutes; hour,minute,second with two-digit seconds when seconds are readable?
11,29,37
